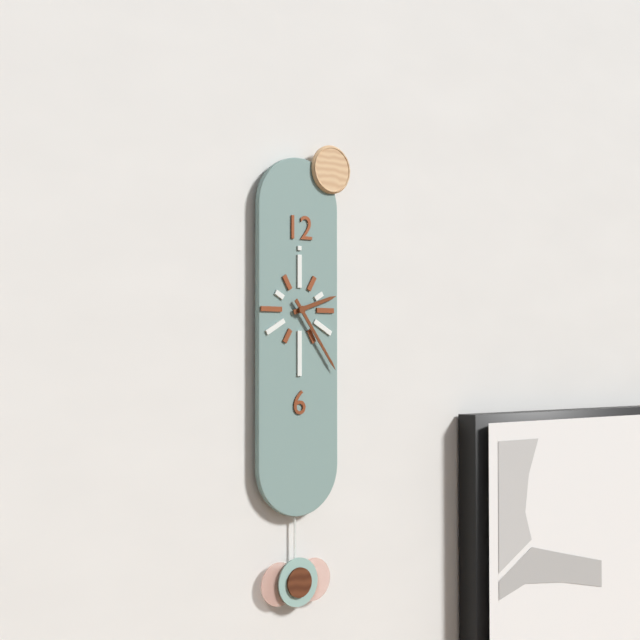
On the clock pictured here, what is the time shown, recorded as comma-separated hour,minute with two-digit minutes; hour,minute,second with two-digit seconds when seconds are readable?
2,24
